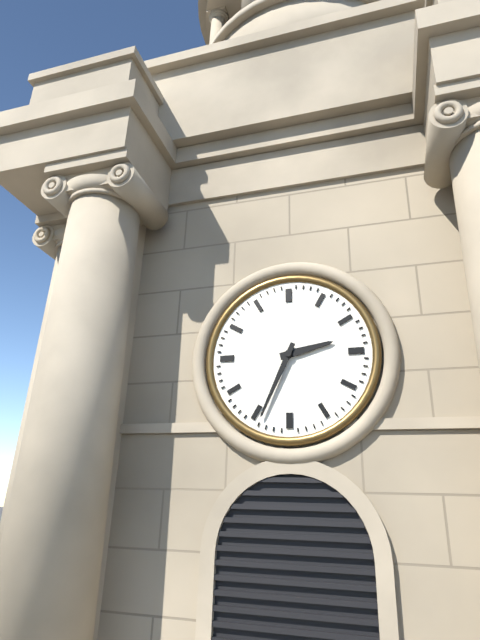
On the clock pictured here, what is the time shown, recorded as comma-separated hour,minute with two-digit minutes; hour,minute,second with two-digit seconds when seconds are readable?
2,34
